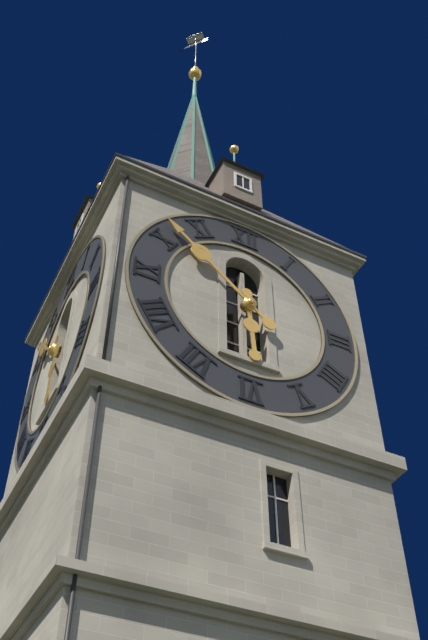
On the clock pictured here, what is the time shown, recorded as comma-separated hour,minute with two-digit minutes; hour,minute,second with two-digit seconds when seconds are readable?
5,52
